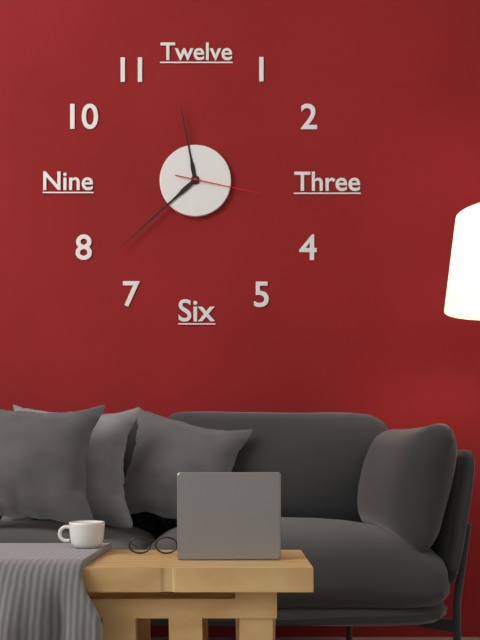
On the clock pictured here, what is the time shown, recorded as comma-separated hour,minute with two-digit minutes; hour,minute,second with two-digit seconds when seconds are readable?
11,38,17
